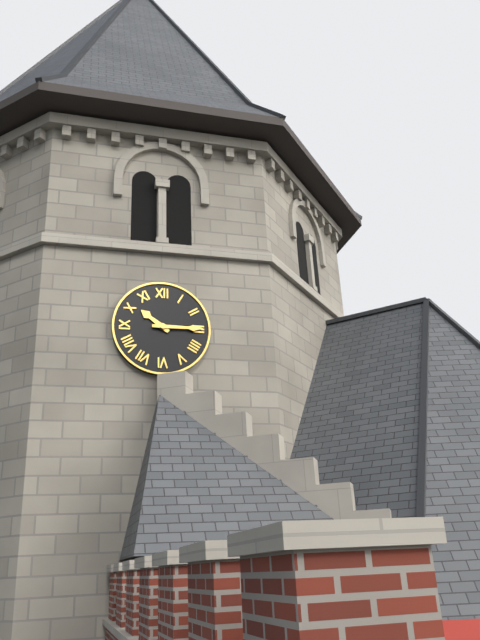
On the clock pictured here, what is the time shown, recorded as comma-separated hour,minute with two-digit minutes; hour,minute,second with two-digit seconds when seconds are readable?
10,15
